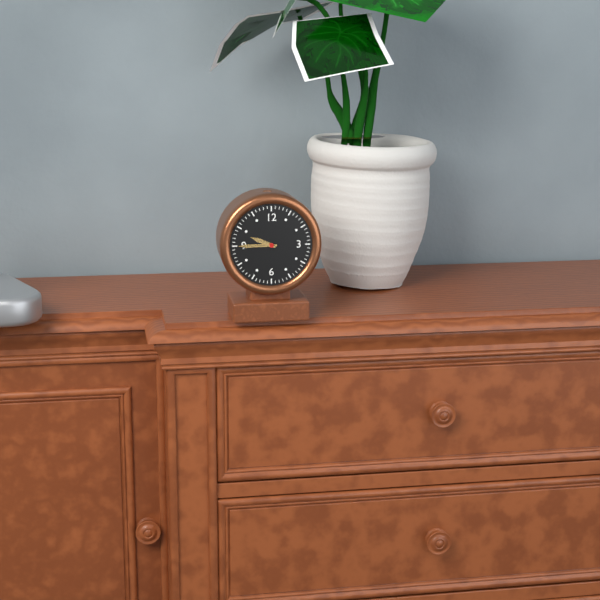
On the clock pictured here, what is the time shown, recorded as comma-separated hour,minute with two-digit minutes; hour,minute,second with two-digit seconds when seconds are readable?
9,45
